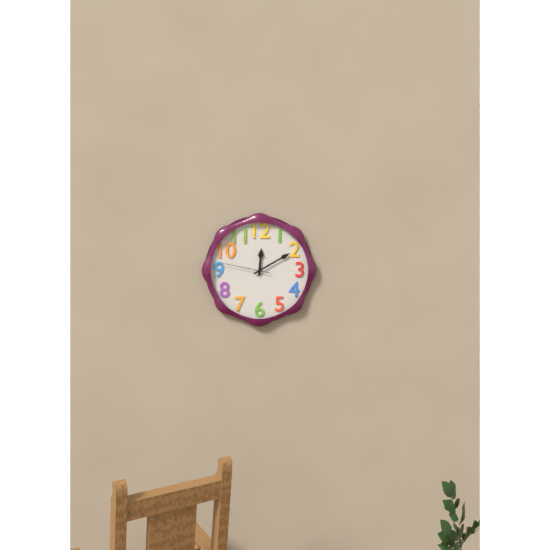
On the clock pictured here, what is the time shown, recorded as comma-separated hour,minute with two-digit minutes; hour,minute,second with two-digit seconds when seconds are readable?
12,10,47
